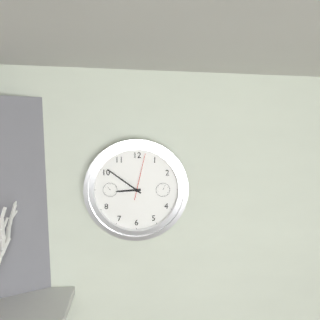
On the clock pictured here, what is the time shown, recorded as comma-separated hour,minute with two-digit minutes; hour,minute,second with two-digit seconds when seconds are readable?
8,51
